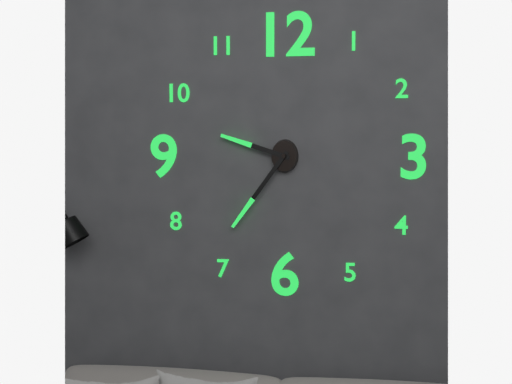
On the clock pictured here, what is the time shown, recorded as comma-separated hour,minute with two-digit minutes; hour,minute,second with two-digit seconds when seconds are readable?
9,36
